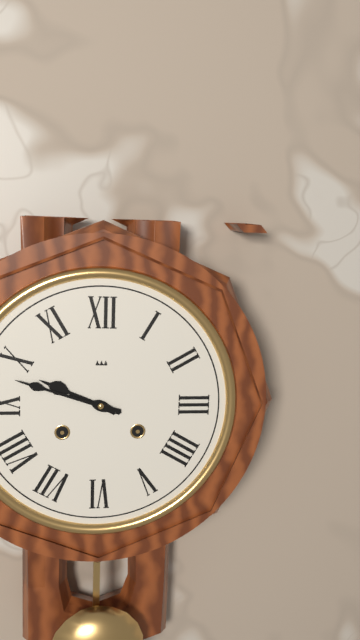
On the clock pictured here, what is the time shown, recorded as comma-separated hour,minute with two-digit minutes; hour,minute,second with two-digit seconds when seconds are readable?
9,48
